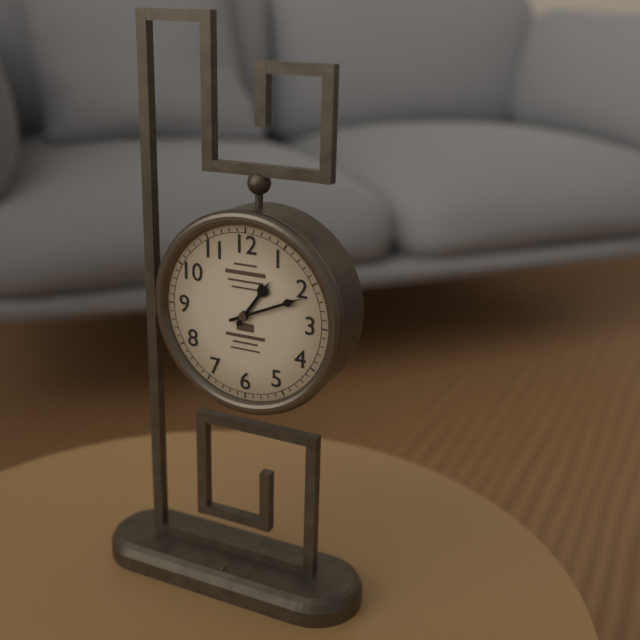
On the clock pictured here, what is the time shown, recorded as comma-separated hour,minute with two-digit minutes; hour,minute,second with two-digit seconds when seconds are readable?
1,11
